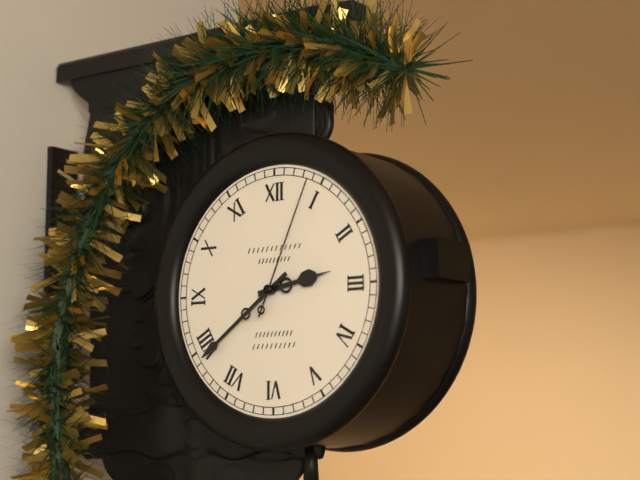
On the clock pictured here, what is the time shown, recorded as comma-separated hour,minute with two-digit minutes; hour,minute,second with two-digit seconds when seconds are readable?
2,39,04
